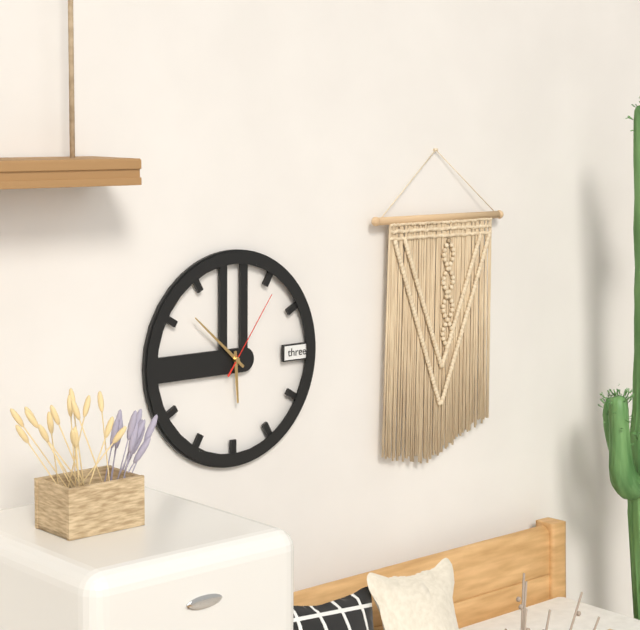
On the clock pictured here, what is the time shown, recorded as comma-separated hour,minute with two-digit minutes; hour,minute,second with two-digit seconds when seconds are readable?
5,52,06
